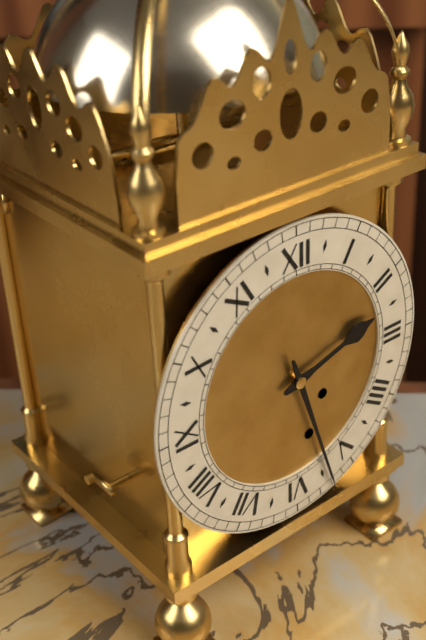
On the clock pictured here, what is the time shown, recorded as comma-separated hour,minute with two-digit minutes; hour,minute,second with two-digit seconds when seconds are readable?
2,27
